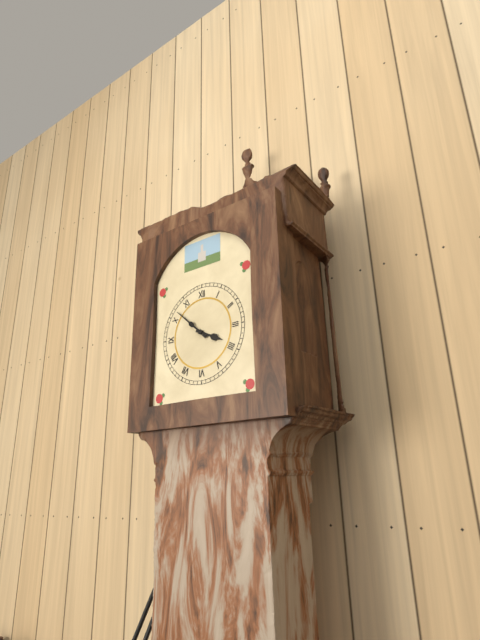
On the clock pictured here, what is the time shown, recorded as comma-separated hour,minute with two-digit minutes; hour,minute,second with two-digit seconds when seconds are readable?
3,52
